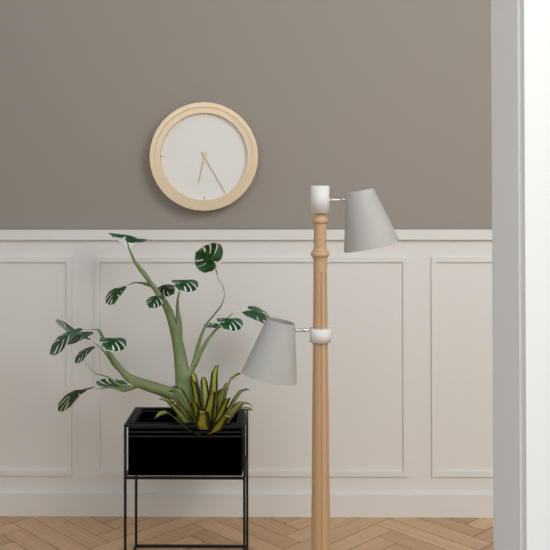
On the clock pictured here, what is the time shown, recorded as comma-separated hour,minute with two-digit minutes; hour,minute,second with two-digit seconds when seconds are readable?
6,25
